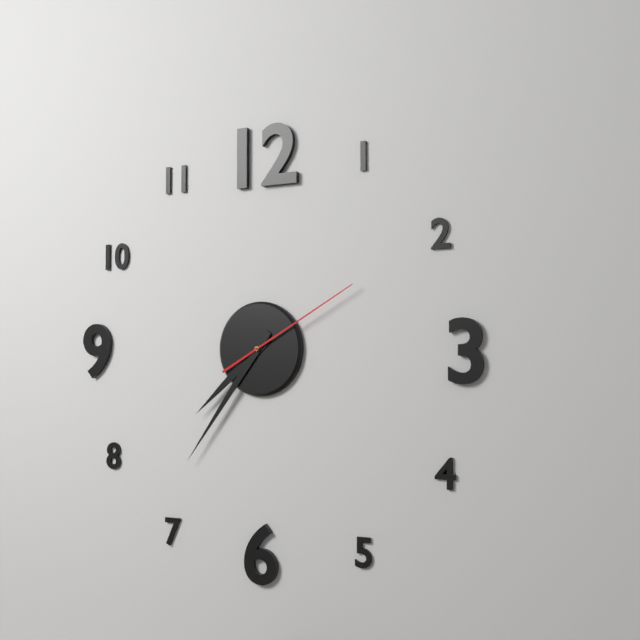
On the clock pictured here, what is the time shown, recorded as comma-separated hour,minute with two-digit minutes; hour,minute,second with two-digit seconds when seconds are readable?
7,36,10
